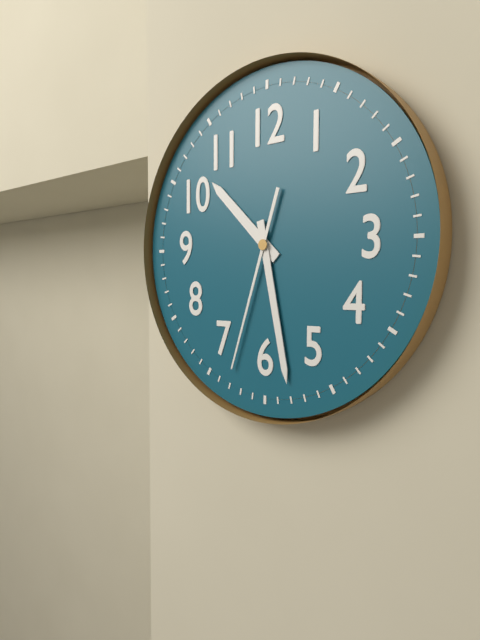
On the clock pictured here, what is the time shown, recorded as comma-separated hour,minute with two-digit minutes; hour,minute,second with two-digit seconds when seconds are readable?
10,28,33
